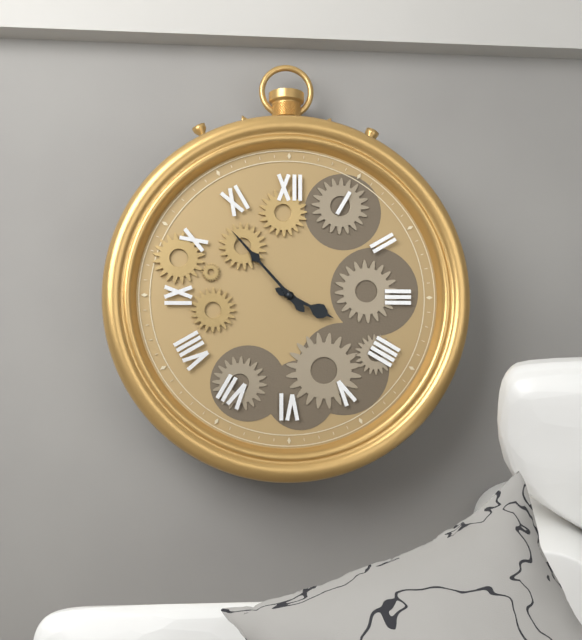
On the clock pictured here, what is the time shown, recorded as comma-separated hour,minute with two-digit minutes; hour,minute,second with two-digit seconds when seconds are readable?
3,53
